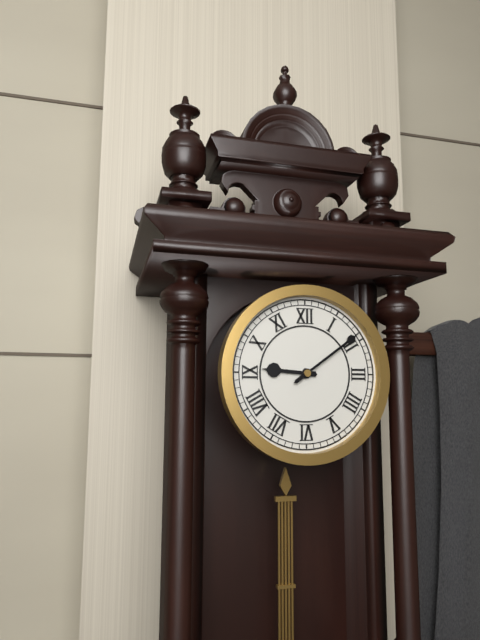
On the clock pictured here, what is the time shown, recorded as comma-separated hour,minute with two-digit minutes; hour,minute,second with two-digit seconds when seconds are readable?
9,09
